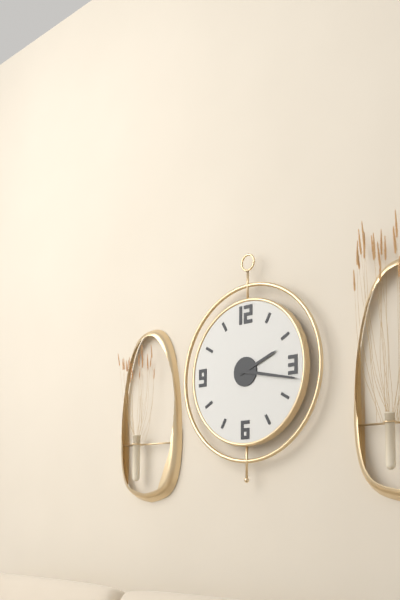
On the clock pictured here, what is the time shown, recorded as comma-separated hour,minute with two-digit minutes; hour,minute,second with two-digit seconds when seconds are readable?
2,17
